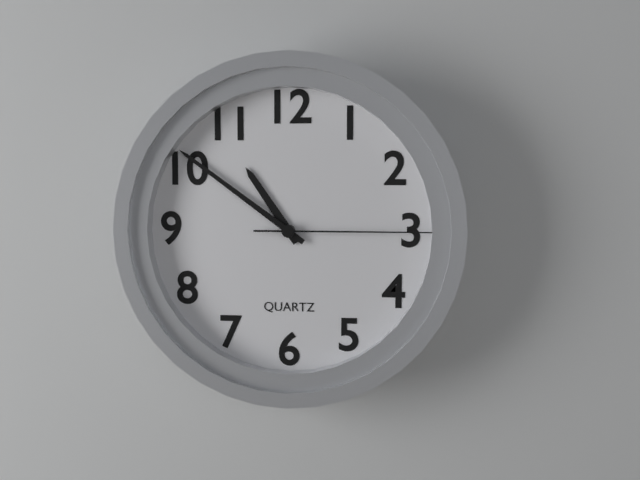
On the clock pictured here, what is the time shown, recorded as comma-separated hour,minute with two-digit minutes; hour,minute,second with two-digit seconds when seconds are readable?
10,51,15
